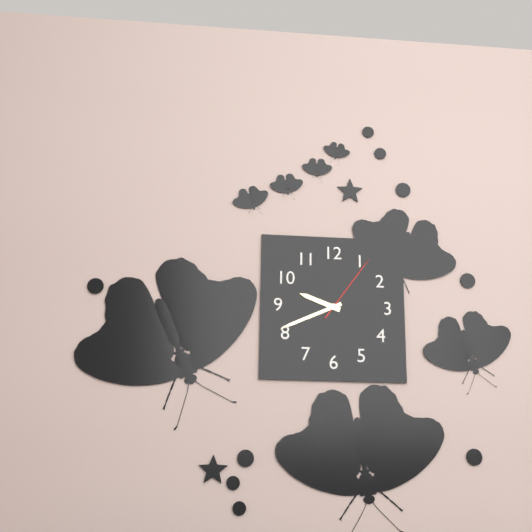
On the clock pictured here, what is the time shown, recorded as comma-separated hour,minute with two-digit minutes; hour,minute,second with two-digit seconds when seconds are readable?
9,41,06
